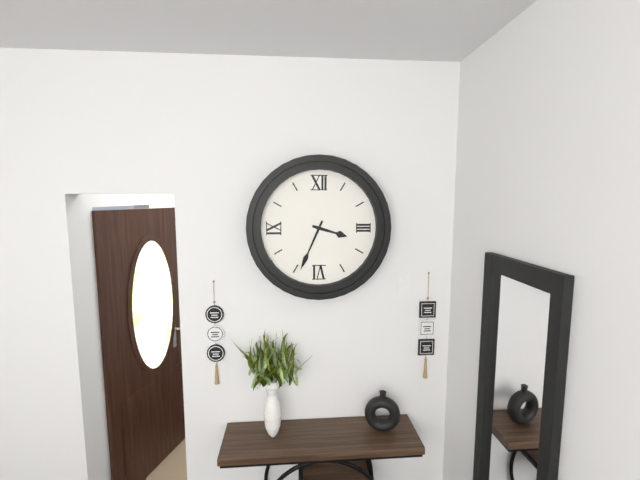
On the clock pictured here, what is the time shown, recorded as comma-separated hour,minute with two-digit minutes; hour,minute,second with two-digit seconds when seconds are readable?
3,34
